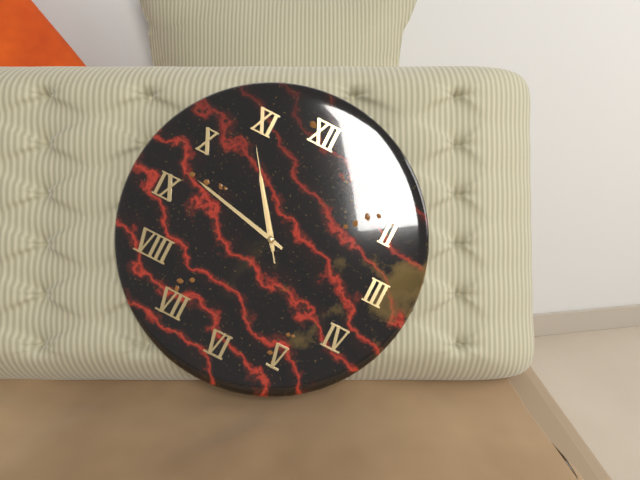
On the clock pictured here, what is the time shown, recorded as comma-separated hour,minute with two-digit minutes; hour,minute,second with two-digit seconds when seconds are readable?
10,47,54
